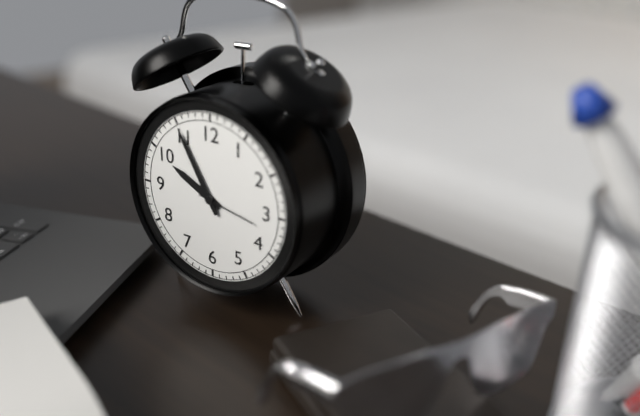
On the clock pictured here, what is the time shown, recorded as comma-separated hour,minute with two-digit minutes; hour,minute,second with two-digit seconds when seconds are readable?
9,55,17
